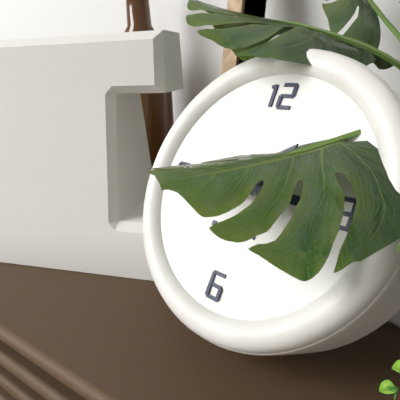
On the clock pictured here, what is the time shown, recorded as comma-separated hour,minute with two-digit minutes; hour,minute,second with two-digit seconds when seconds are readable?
1,15
